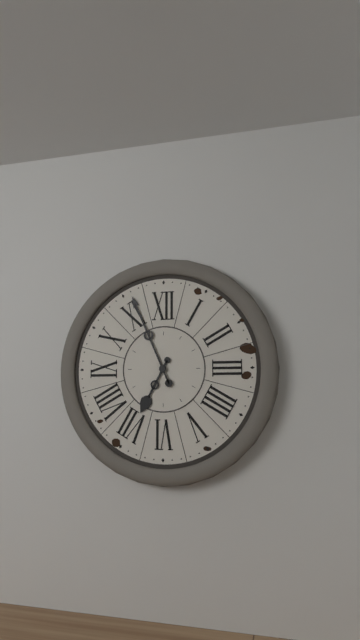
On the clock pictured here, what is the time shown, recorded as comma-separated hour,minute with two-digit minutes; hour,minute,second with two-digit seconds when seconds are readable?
6,56
